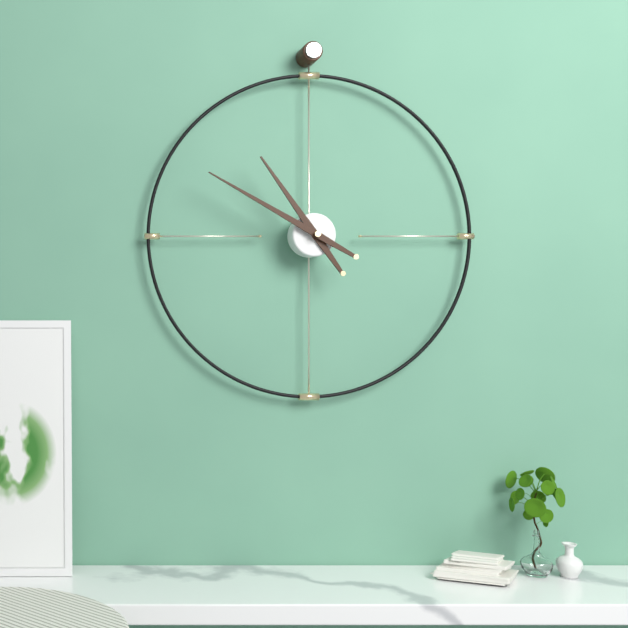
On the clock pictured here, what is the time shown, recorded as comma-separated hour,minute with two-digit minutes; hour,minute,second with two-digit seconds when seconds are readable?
10,50
